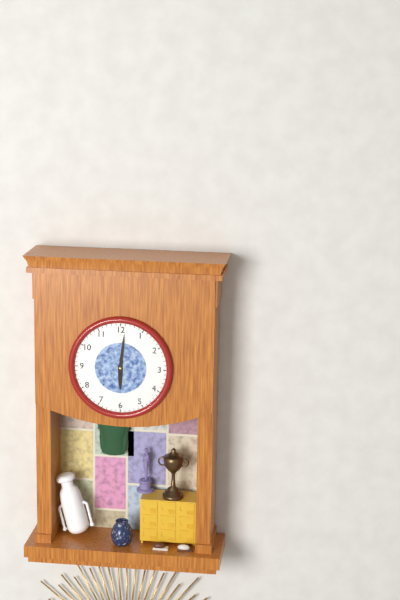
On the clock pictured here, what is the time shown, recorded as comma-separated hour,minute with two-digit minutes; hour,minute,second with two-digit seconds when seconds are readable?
6,01
